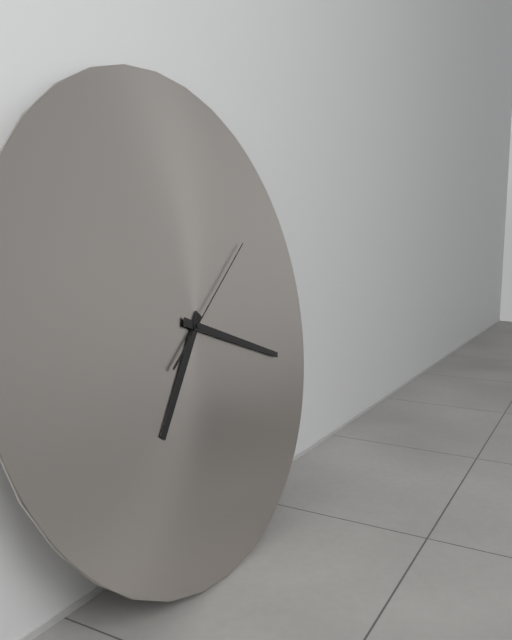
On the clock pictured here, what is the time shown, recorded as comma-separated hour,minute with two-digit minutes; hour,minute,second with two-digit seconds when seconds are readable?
7,18,09
